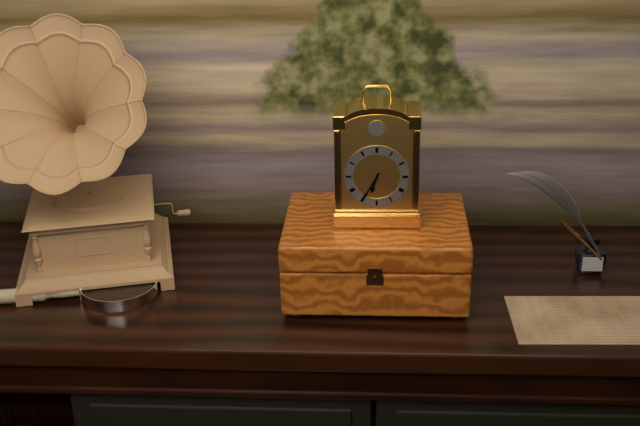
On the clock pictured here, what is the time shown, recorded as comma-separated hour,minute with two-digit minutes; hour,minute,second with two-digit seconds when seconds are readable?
6,35
